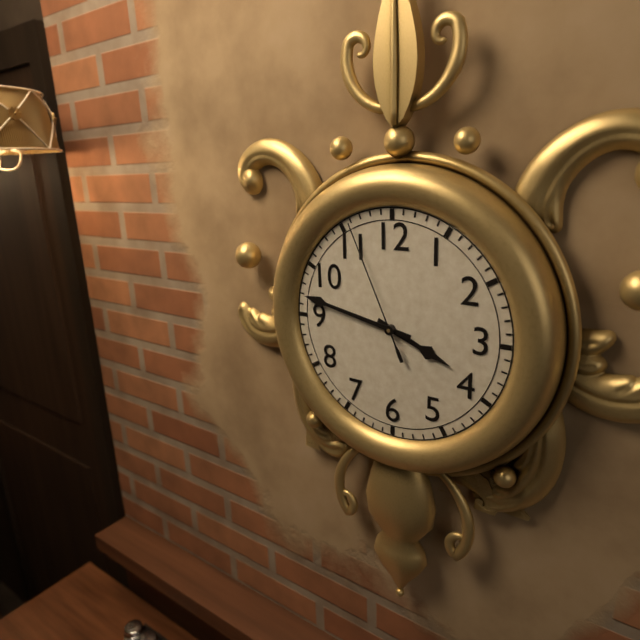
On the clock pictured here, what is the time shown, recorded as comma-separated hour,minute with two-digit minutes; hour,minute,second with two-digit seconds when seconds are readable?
3,47,56
